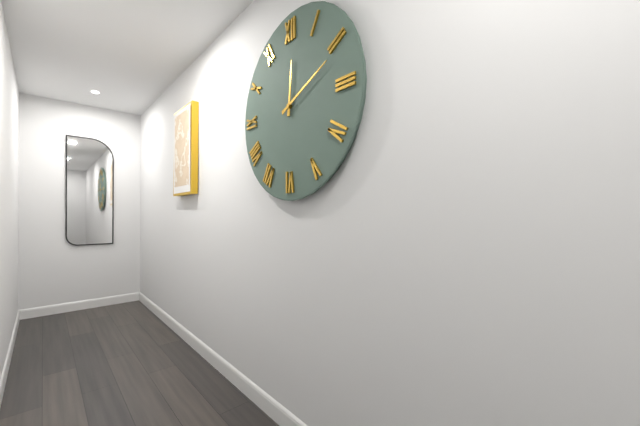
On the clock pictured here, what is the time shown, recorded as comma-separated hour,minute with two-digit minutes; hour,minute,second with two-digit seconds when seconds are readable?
12,11
